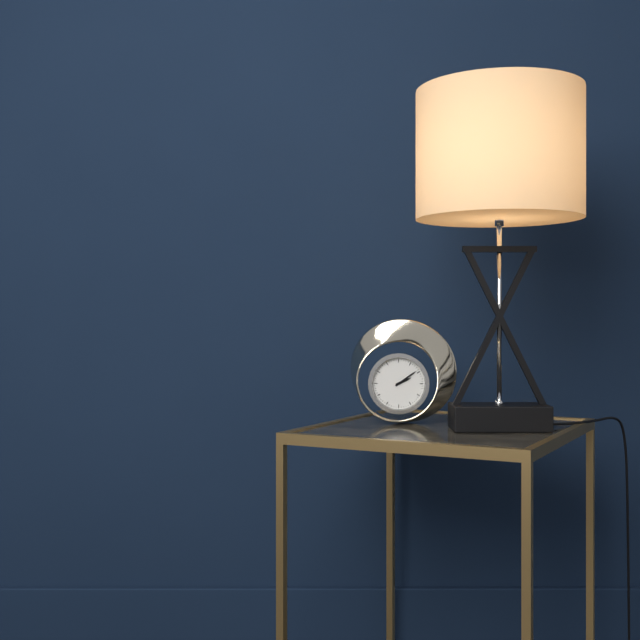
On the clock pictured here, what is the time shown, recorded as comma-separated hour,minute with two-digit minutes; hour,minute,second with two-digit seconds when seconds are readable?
2,09
